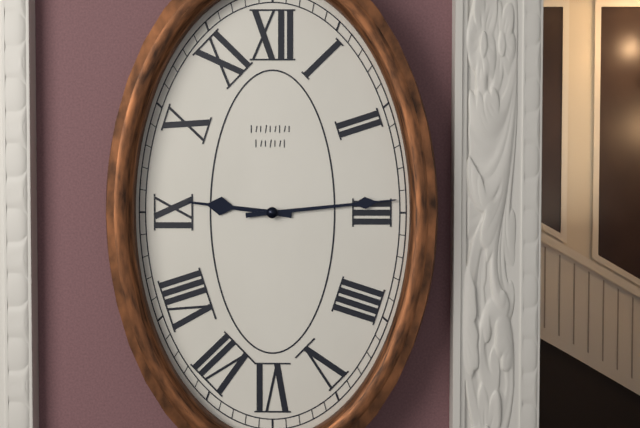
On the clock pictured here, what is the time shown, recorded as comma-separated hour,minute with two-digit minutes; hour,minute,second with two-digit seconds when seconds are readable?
9,14
